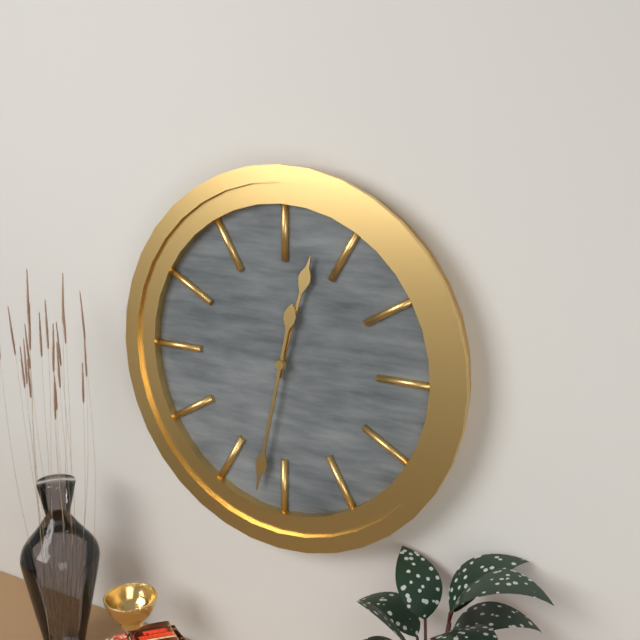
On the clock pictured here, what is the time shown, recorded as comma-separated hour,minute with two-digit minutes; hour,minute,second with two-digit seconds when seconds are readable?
12,32
